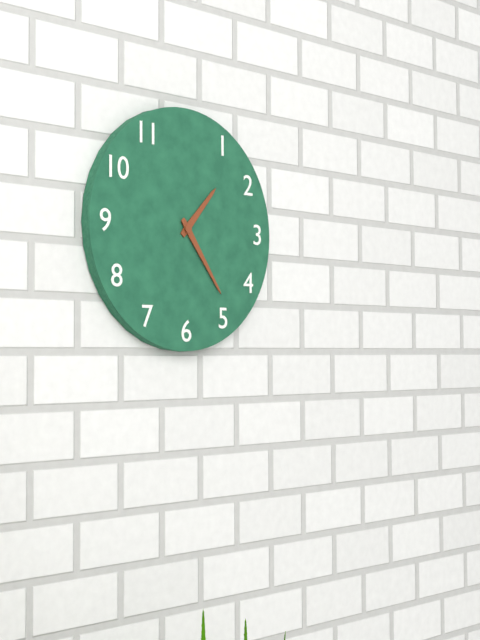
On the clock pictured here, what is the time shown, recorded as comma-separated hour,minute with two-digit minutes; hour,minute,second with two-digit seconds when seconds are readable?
1,24
